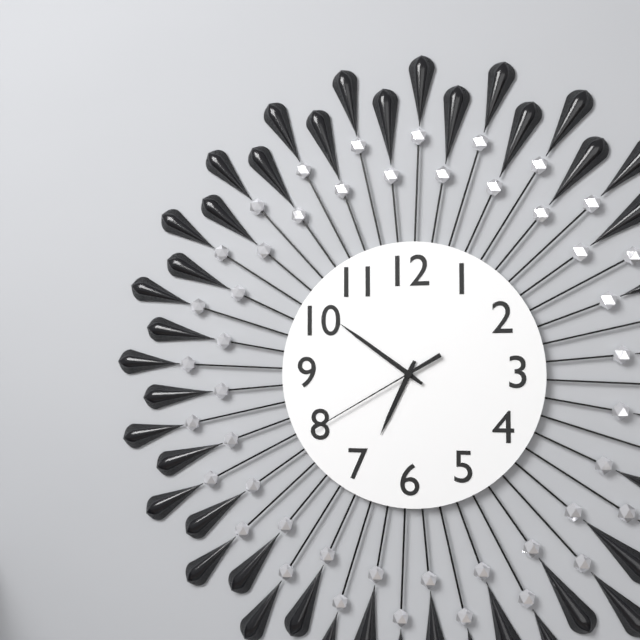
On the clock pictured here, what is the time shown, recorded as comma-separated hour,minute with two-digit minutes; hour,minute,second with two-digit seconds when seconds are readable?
6,51,40
